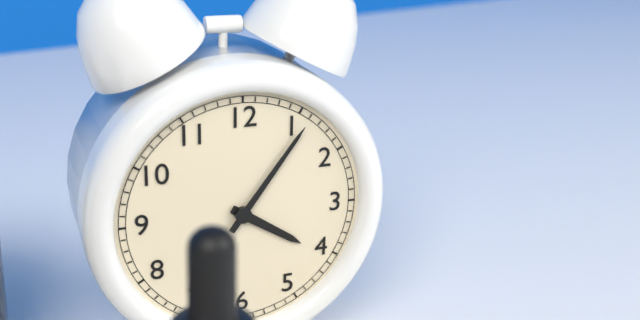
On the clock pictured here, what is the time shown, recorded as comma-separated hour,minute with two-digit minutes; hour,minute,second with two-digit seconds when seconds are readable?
4,06
